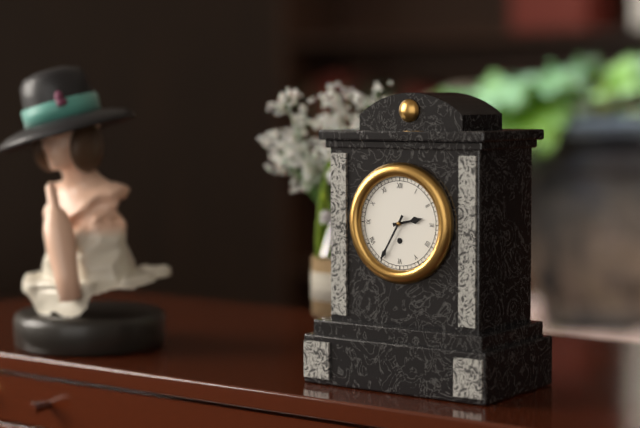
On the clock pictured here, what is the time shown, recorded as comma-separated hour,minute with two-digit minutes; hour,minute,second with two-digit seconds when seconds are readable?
2,35
